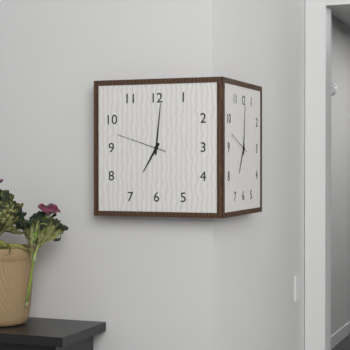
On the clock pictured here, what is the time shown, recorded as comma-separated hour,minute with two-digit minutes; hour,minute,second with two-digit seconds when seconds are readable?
7,01,48
